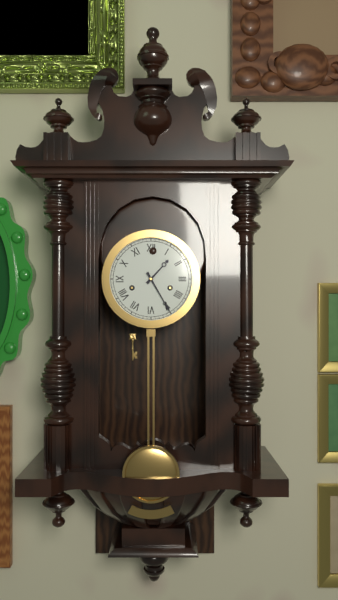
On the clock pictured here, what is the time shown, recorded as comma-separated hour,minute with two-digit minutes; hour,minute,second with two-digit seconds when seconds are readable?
1,25
